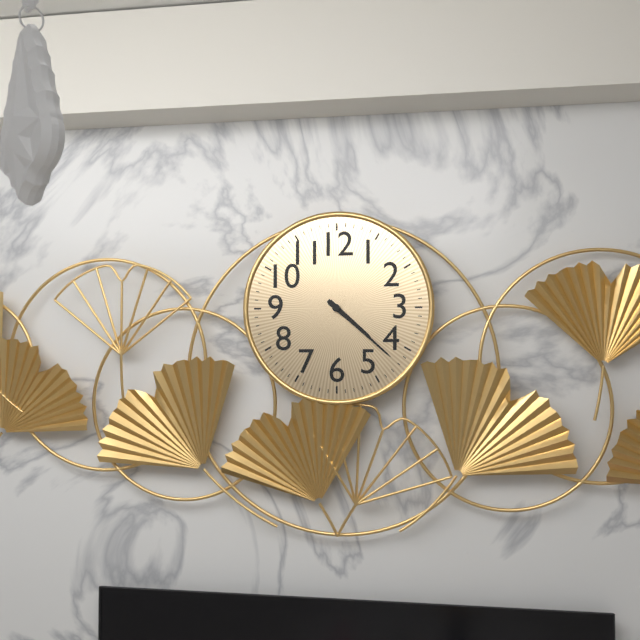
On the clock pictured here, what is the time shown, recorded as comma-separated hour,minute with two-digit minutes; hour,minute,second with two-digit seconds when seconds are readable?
4,22
